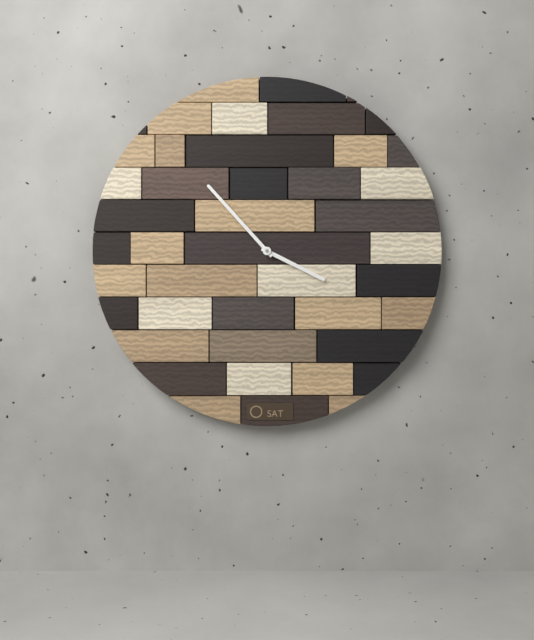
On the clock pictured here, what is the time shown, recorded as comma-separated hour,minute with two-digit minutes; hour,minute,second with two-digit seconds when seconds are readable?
3,53
